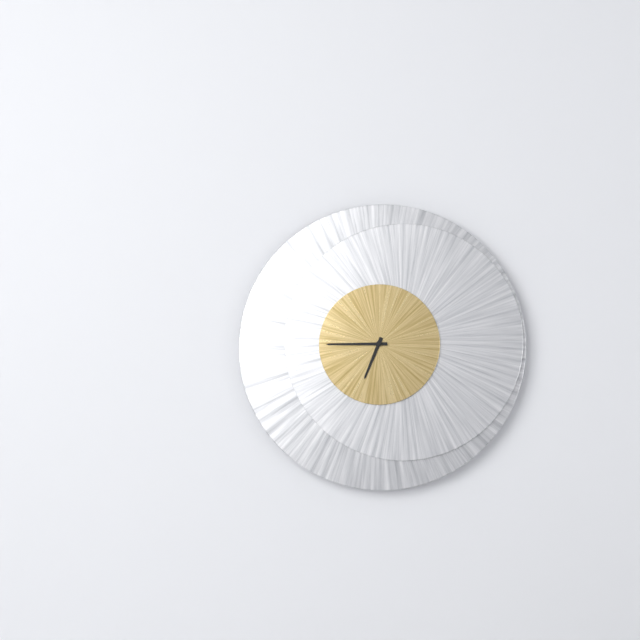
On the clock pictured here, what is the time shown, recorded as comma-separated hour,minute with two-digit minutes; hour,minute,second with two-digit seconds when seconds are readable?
6,45
